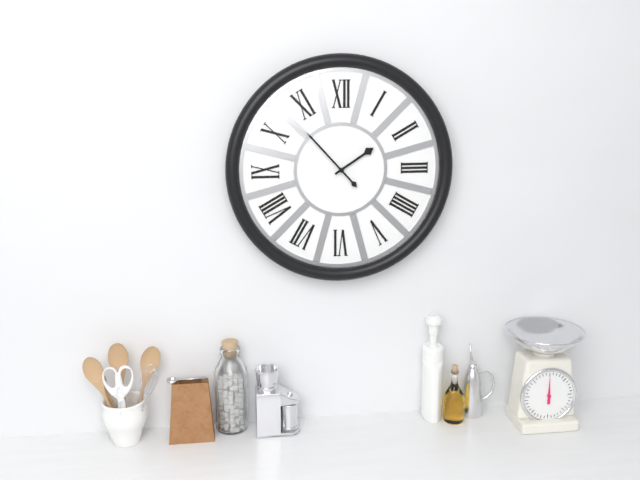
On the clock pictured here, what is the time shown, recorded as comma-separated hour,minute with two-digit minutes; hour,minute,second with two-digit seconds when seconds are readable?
1,53
